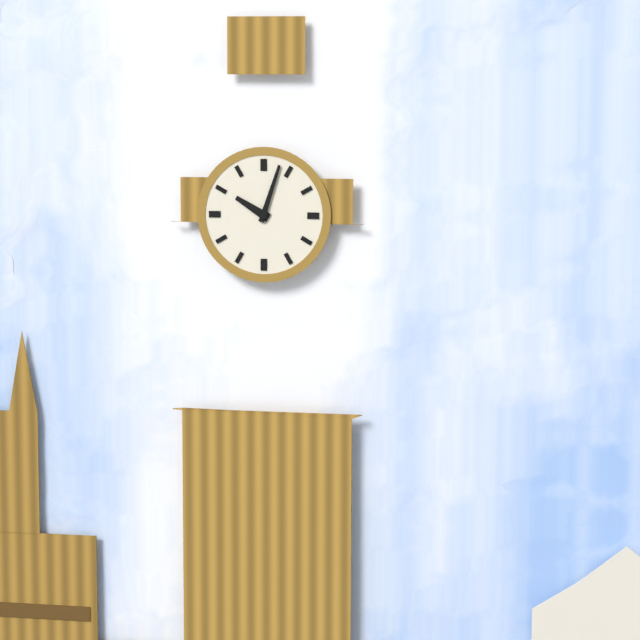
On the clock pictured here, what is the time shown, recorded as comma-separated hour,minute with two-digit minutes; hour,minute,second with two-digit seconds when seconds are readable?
10,03
